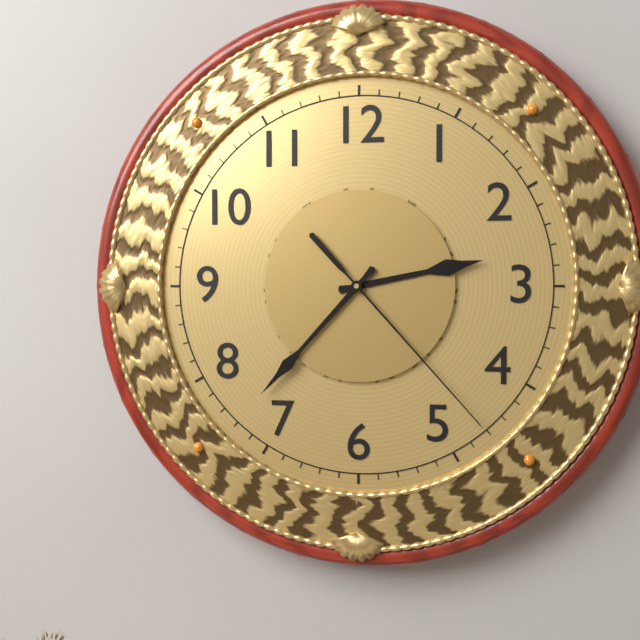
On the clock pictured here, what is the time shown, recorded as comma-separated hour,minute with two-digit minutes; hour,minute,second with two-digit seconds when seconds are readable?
2,37,23
